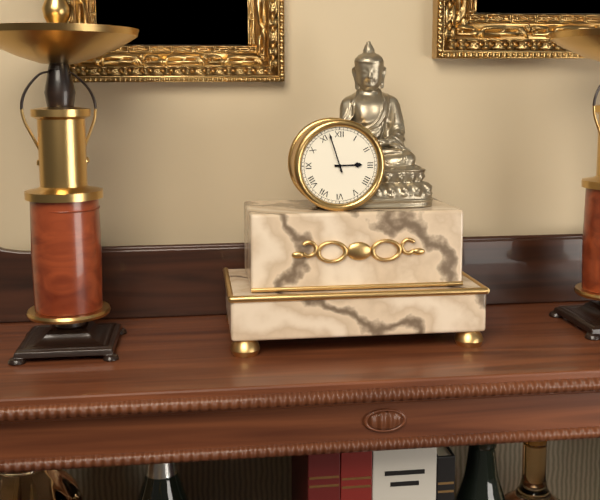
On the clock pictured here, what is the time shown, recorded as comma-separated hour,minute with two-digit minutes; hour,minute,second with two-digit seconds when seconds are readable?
2,57
